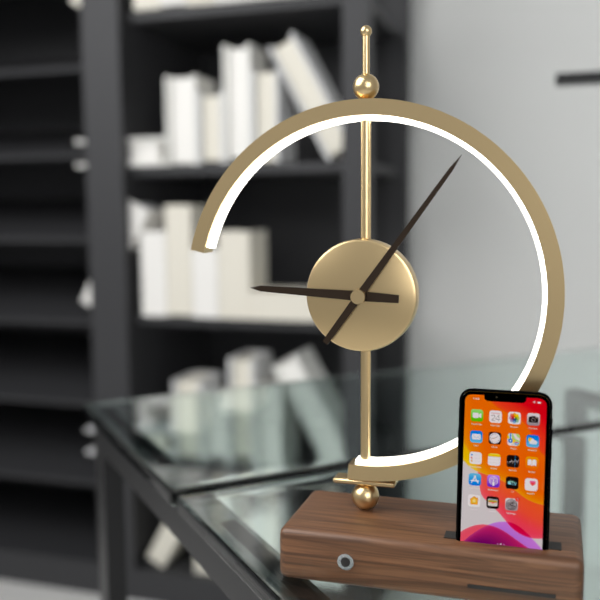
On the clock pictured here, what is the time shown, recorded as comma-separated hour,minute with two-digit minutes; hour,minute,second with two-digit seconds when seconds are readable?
9,06
